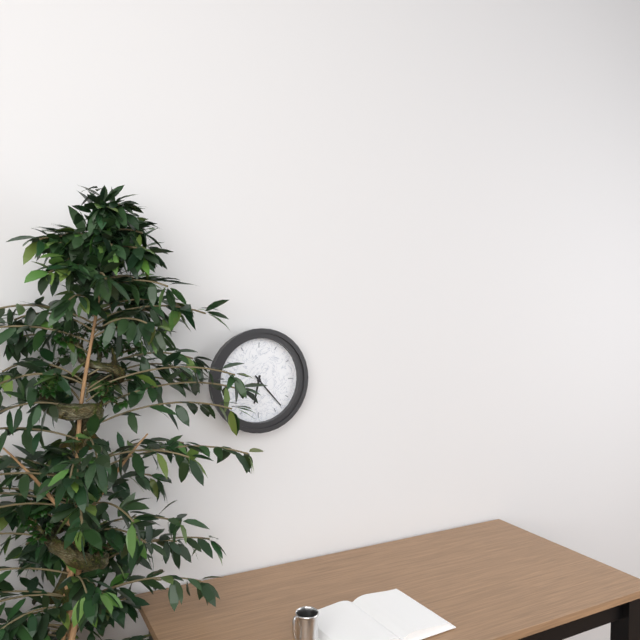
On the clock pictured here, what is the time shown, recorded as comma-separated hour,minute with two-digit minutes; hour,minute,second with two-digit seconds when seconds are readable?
6,23
